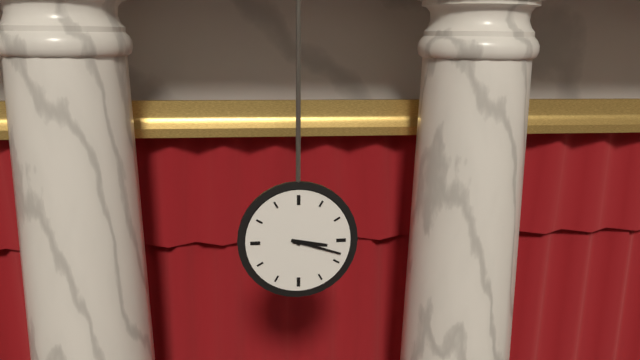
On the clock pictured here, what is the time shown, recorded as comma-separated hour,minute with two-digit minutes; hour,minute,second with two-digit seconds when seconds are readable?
3,18
